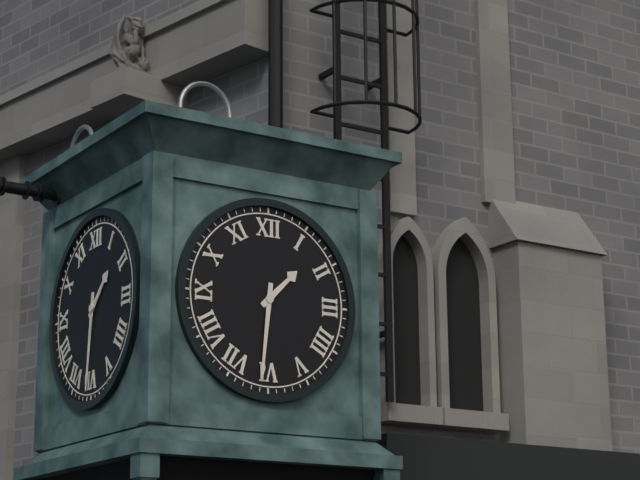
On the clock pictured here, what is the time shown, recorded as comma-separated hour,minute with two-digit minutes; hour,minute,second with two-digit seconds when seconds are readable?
1,31
